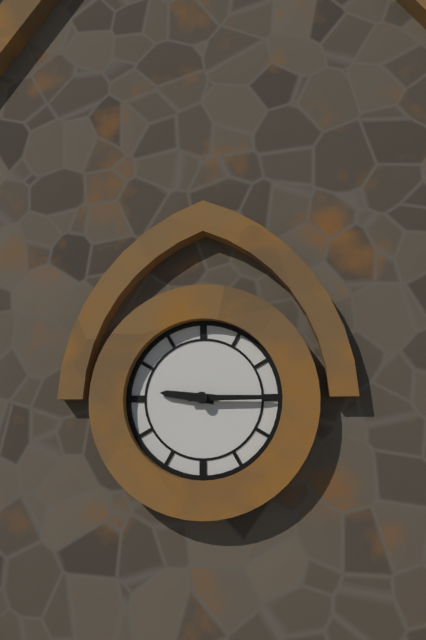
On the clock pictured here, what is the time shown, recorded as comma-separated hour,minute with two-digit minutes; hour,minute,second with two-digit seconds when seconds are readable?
9,15
